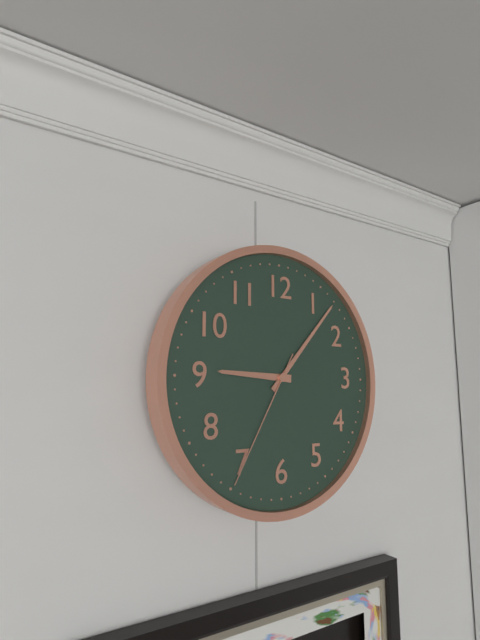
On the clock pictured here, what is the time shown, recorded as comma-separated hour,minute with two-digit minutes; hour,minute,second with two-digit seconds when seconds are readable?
9,07,35
